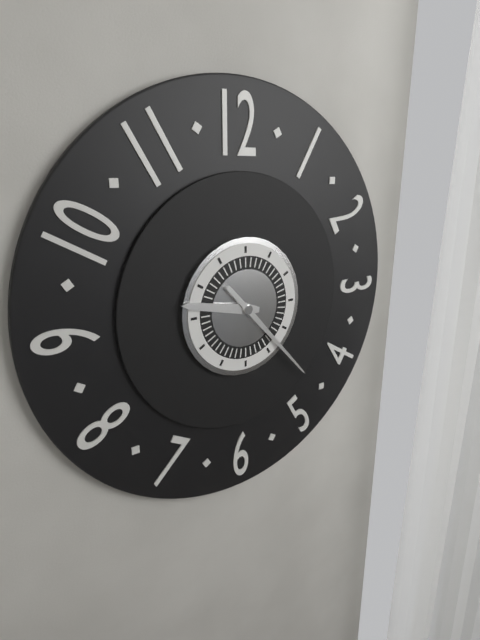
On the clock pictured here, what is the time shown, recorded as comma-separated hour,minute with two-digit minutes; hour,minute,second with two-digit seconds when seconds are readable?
9,23
